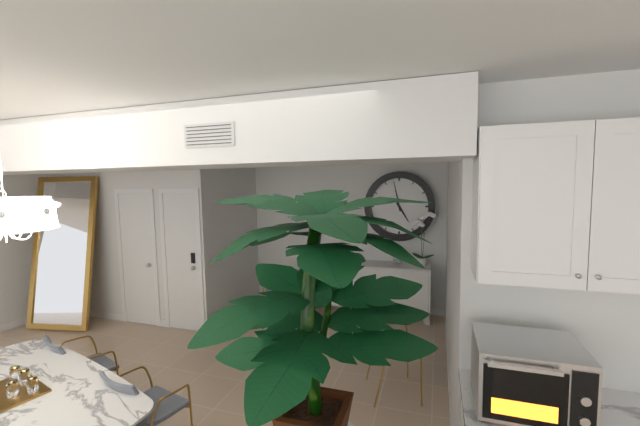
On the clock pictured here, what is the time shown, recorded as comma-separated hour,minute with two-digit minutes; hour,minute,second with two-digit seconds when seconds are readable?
4,58
